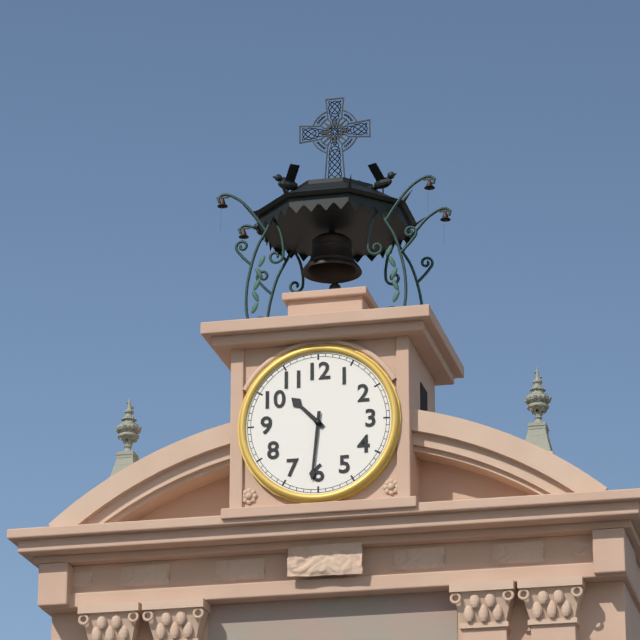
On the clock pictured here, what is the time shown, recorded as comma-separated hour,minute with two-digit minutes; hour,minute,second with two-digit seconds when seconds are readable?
10,31
